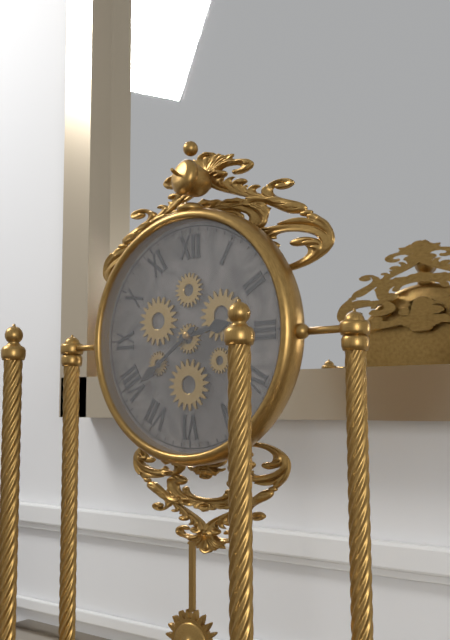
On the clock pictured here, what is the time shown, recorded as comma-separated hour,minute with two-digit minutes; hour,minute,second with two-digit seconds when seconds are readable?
2,39
